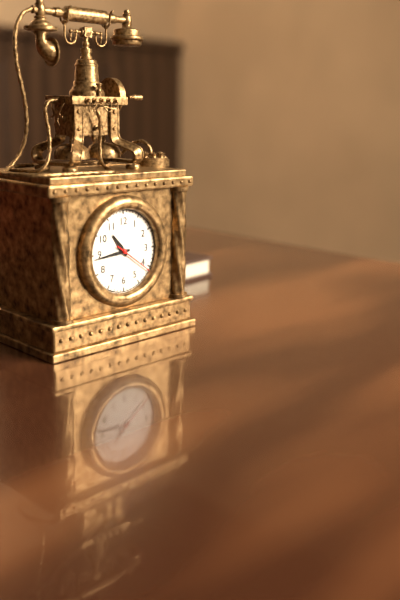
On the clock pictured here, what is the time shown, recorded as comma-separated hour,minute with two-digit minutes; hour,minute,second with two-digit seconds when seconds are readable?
10,44
